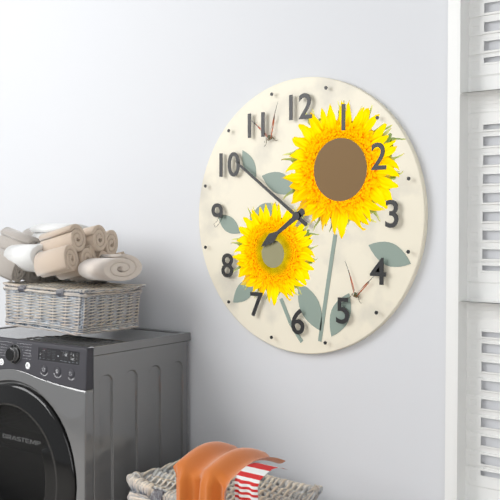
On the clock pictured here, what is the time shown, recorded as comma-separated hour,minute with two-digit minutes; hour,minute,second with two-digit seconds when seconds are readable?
7,51
